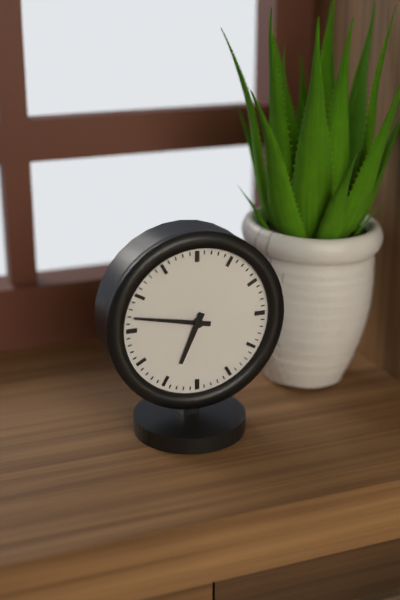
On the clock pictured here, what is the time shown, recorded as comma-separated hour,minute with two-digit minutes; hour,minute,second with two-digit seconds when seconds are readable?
6,47
